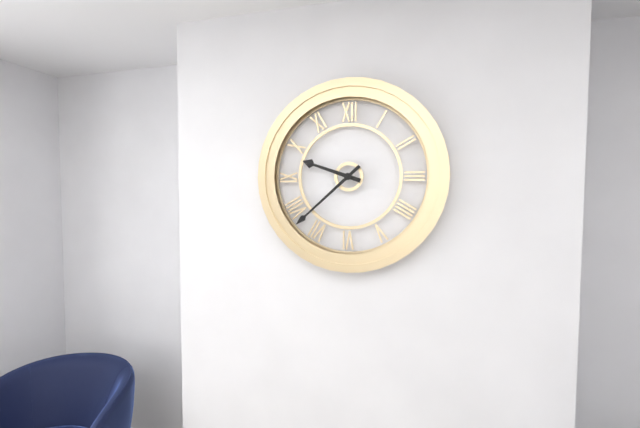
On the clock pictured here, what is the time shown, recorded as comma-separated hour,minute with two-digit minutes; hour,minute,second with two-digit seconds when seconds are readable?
9,38
